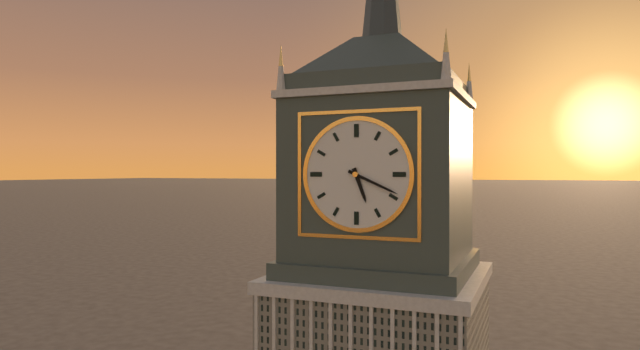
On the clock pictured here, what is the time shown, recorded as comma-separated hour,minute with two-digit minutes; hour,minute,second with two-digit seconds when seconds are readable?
5,19
